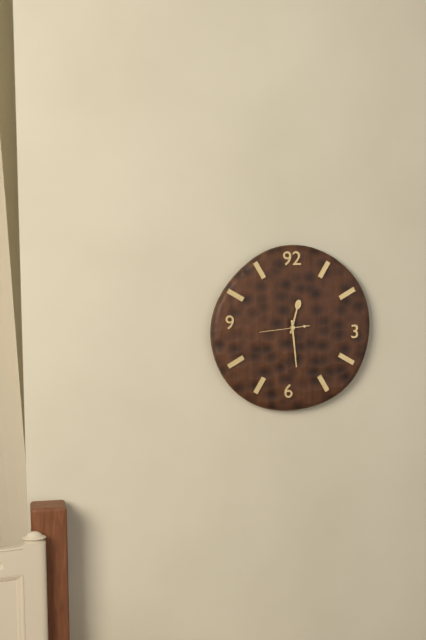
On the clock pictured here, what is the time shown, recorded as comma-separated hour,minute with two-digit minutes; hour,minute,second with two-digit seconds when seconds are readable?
12,29
